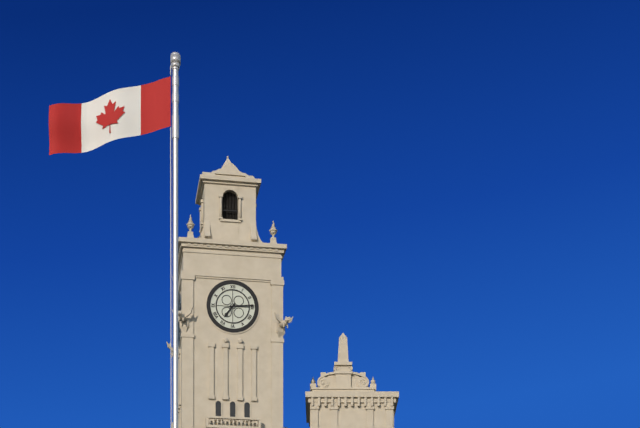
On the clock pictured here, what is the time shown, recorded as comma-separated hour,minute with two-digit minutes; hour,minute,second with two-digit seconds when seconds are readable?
7,14
